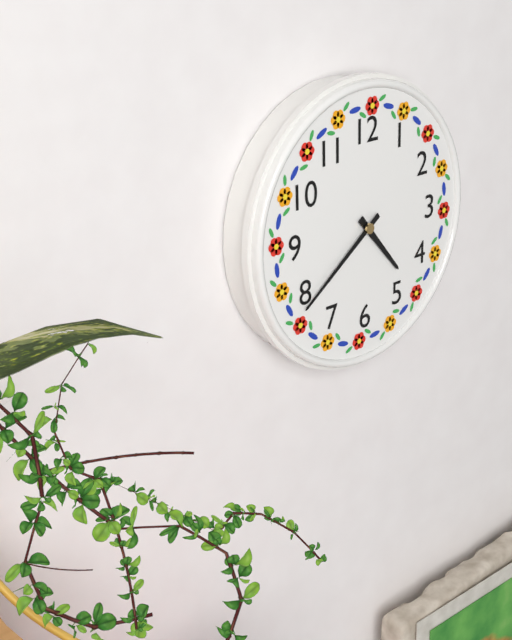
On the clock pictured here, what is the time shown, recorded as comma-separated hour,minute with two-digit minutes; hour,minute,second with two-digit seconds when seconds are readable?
4,39
